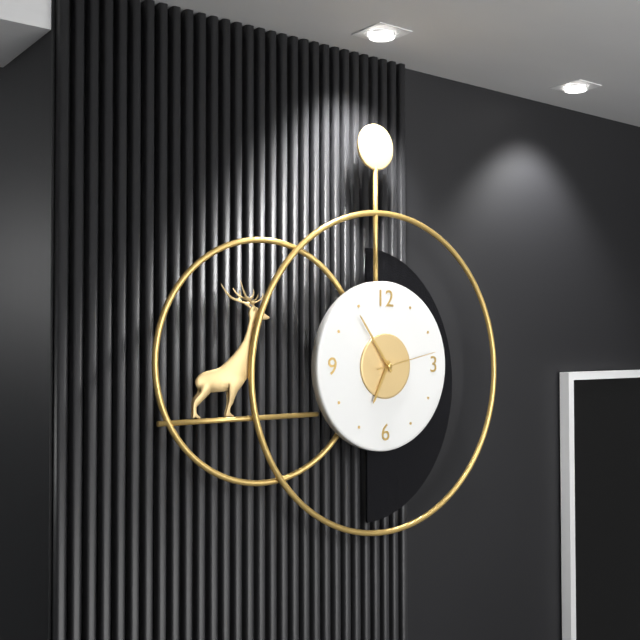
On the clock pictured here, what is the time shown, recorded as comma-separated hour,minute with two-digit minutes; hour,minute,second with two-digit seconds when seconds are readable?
6,54,13
